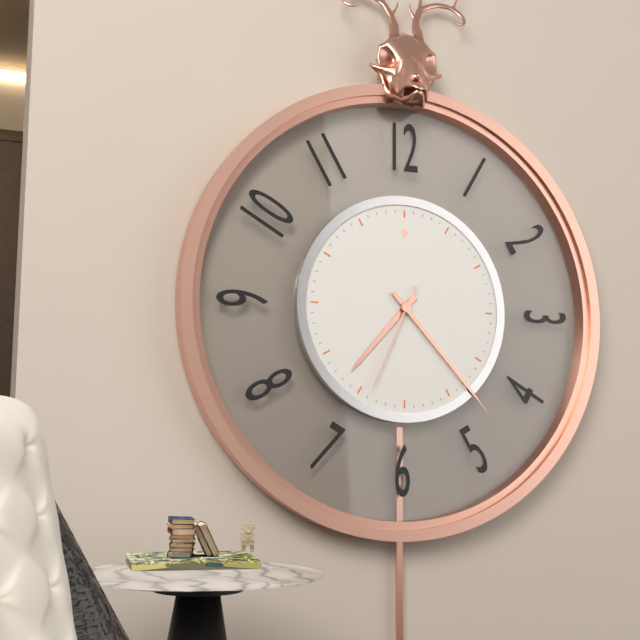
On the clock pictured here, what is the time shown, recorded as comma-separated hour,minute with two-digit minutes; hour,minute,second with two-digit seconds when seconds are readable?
7,23,34
